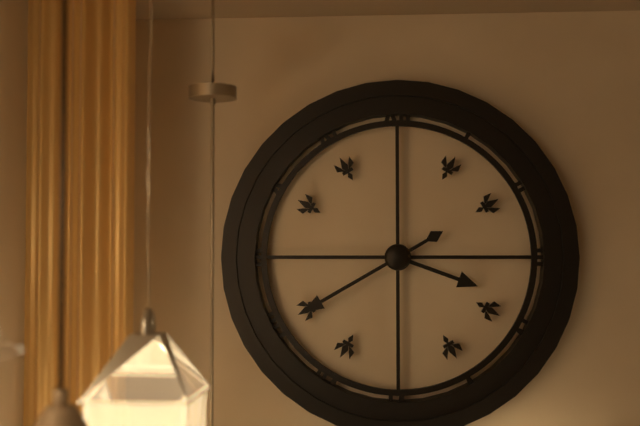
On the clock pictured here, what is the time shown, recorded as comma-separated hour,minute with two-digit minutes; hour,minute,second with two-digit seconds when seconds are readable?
3,40
